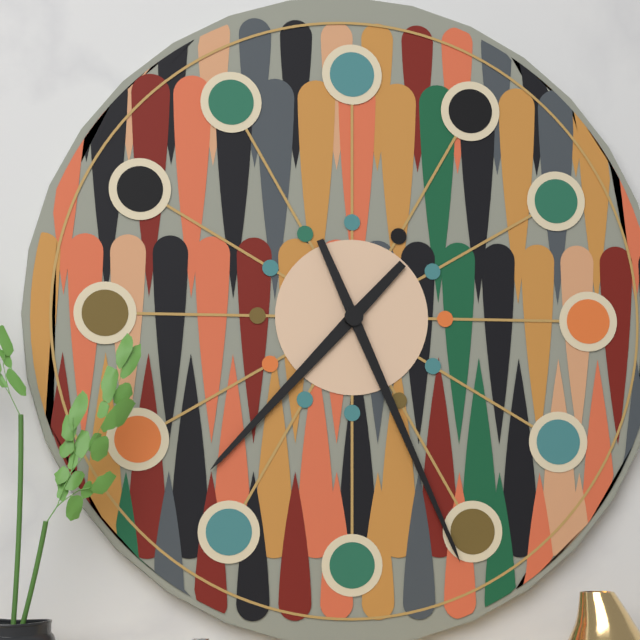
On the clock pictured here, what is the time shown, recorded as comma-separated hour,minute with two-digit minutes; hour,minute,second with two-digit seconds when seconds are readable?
7,26
